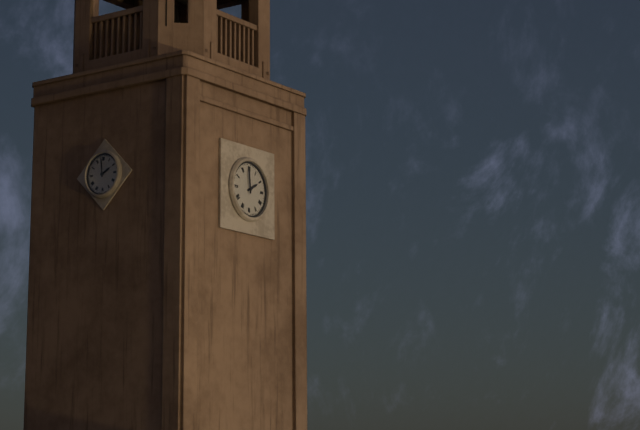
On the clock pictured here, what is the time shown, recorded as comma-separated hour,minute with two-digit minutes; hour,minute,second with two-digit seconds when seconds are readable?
1,59
